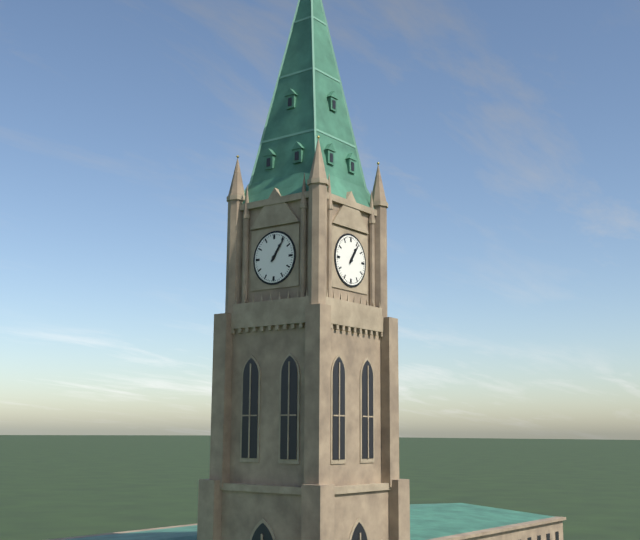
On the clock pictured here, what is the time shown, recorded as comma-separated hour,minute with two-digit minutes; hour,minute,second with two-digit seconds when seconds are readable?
1,06
